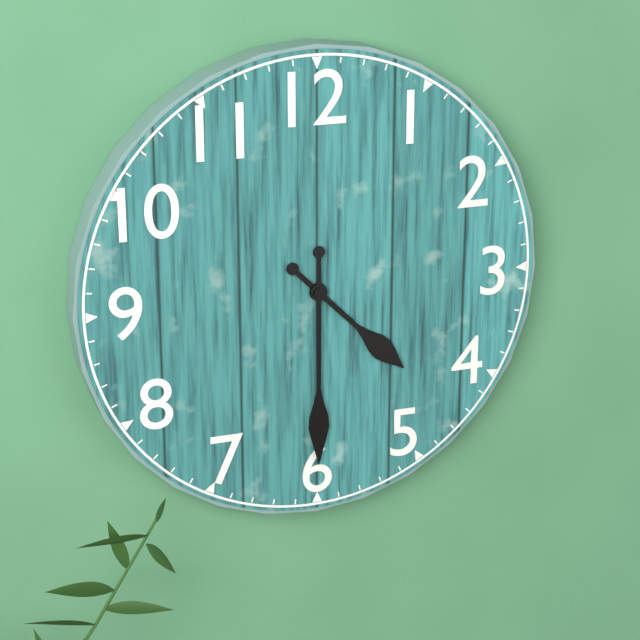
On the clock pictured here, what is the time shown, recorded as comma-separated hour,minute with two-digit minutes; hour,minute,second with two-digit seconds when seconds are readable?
4,30
